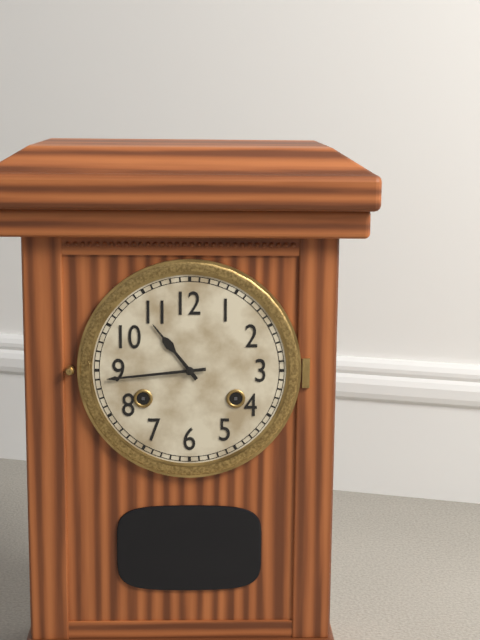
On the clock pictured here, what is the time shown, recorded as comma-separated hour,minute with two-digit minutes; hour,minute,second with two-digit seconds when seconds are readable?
10,44
